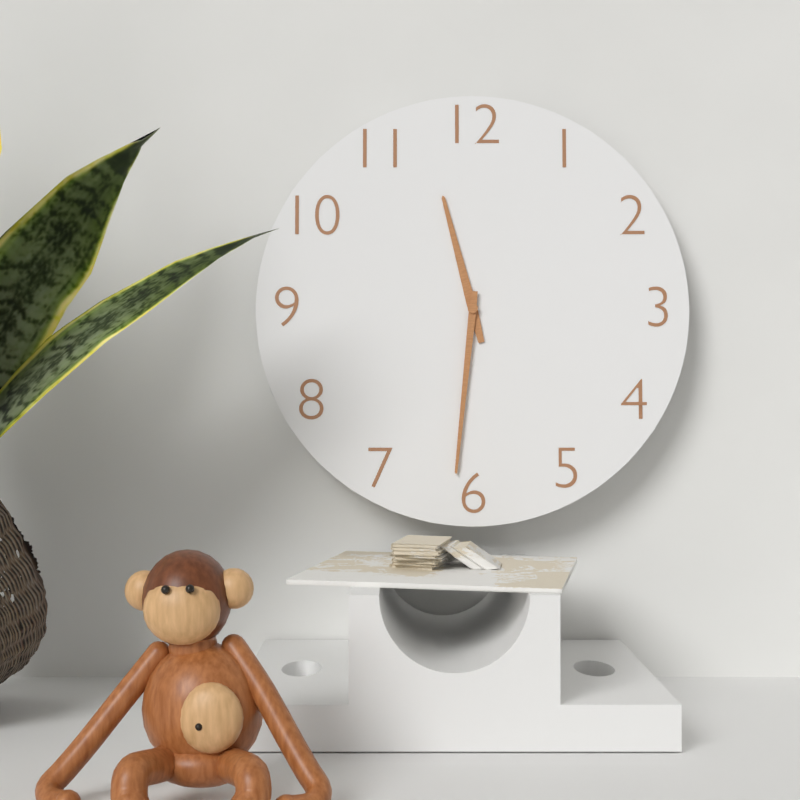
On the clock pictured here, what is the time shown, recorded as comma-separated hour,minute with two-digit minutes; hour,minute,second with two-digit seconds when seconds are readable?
11,31
